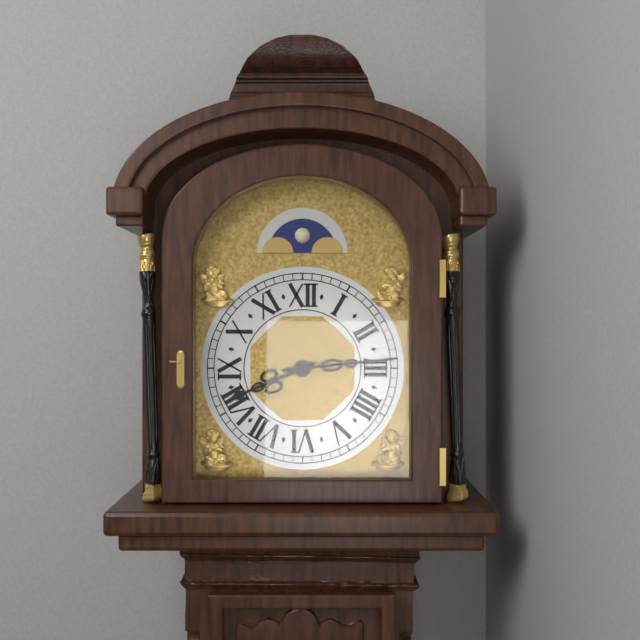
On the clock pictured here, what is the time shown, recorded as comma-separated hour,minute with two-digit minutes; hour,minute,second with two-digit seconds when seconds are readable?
8,14
